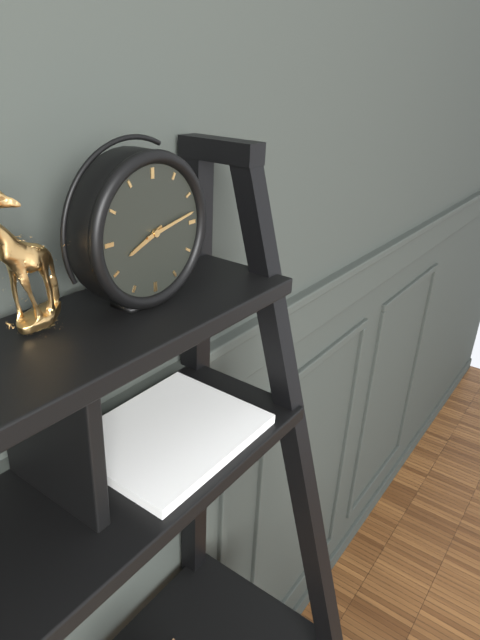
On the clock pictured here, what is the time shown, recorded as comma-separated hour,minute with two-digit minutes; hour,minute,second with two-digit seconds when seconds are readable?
8,13
